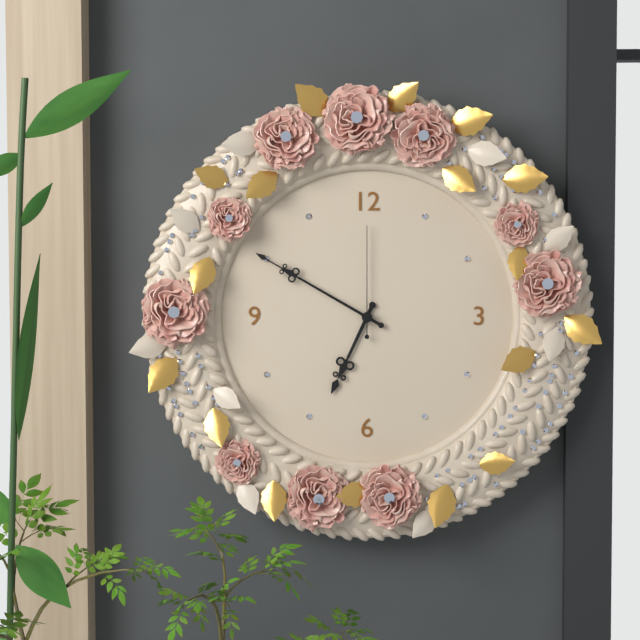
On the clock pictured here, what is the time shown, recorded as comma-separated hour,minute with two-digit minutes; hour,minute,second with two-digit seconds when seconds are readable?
6,50,00
